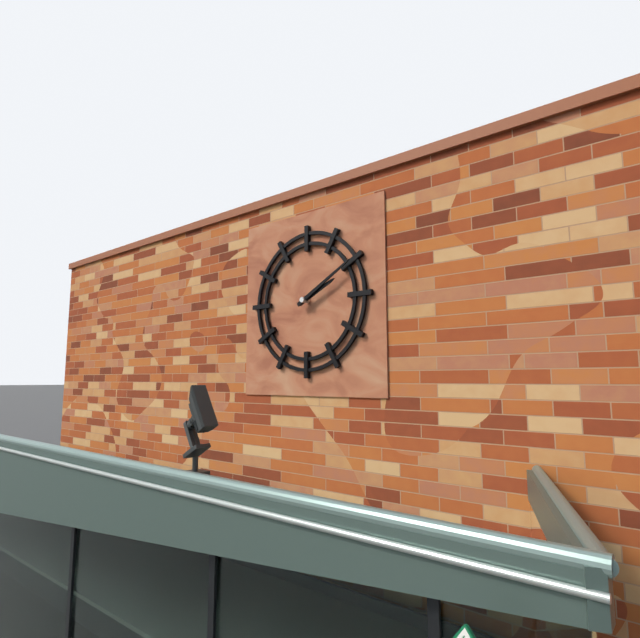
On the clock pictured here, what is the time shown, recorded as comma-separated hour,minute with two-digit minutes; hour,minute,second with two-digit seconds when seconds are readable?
2,10
